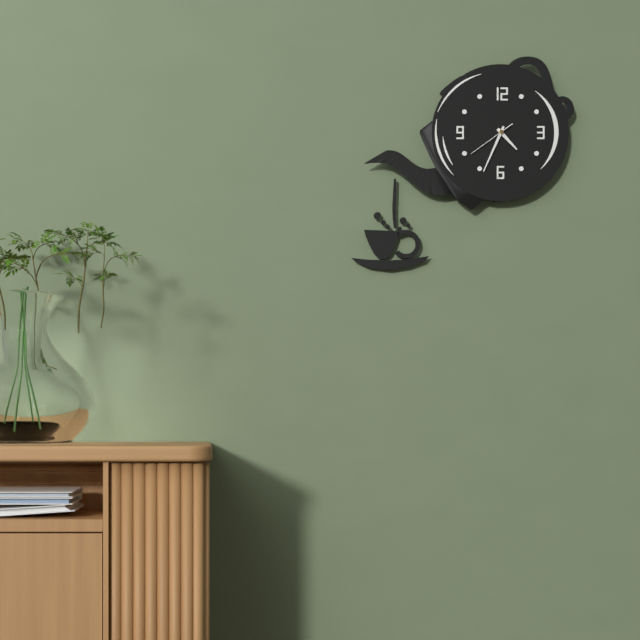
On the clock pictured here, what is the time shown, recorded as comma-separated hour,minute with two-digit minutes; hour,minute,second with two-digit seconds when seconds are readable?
4,34
